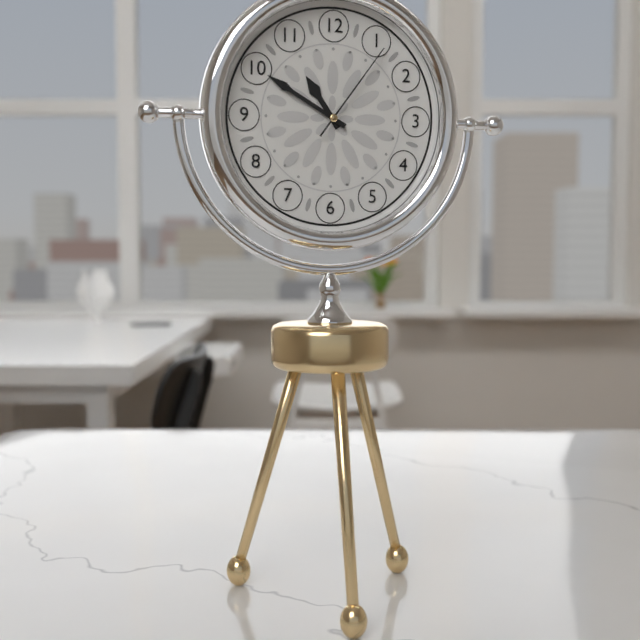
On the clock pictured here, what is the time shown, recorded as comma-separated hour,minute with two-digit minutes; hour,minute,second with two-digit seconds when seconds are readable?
10,50,06
